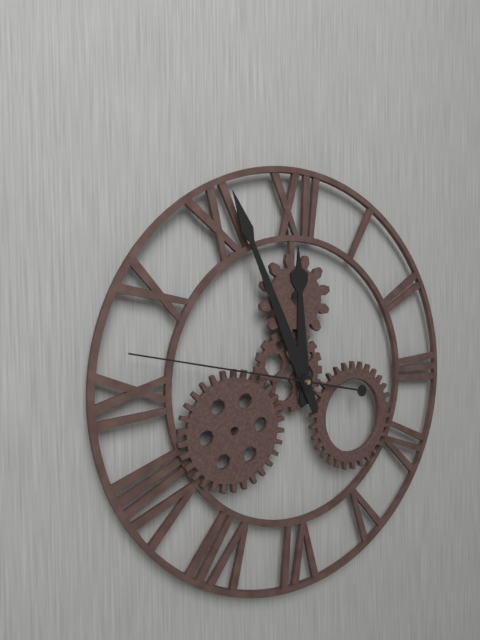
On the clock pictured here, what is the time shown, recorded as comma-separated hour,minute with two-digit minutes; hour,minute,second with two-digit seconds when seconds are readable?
11,56,47
